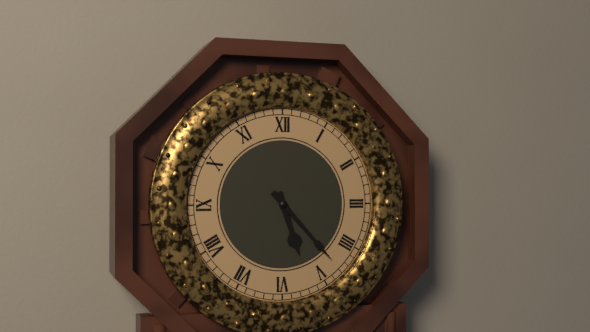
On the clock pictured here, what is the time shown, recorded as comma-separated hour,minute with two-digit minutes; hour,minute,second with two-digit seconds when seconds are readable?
5,23
